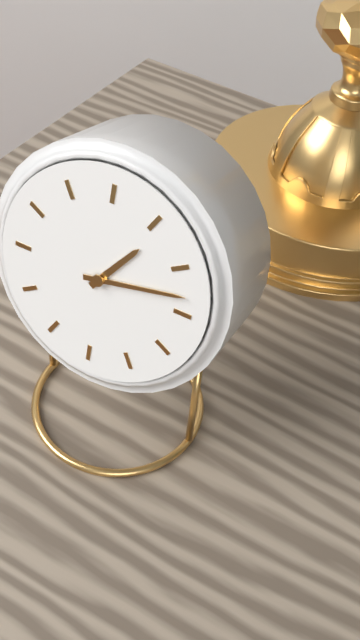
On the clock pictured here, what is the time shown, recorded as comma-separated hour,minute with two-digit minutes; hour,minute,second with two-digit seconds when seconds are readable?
1,13
